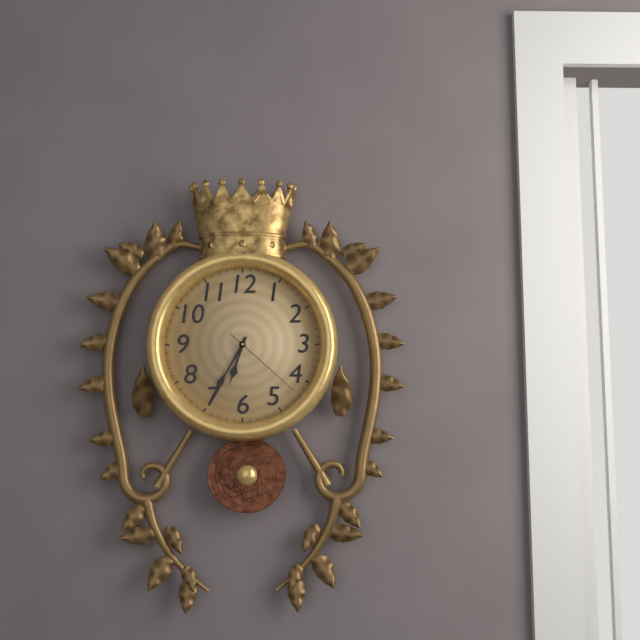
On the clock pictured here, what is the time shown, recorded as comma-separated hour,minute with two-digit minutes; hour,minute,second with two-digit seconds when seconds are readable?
6,35,22
